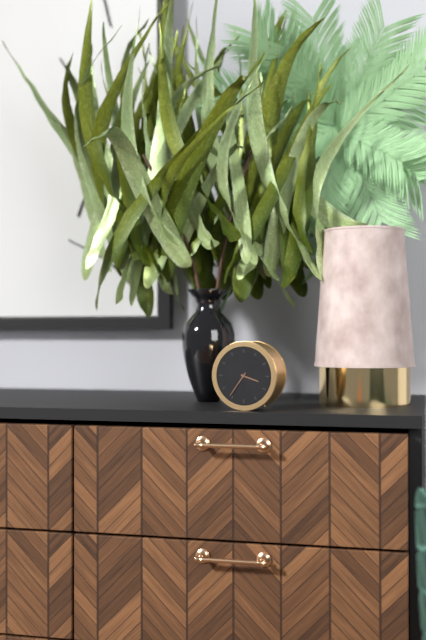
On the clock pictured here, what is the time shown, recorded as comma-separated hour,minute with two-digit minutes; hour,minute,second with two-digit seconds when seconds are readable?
3,36
